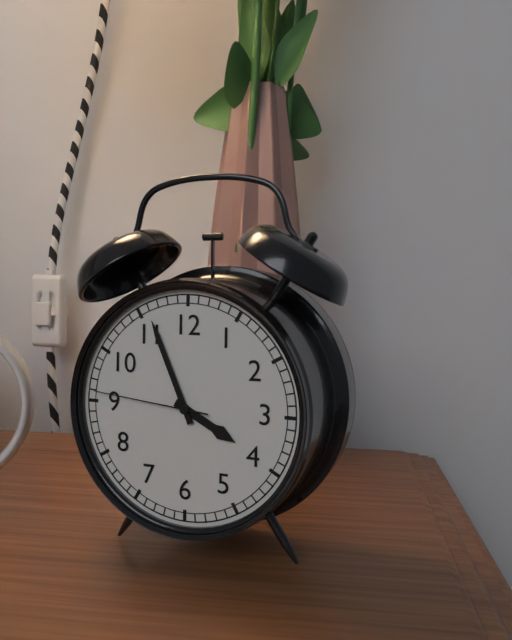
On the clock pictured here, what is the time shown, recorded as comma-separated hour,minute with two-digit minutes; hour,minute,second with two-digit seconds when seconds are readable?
3,56,46
